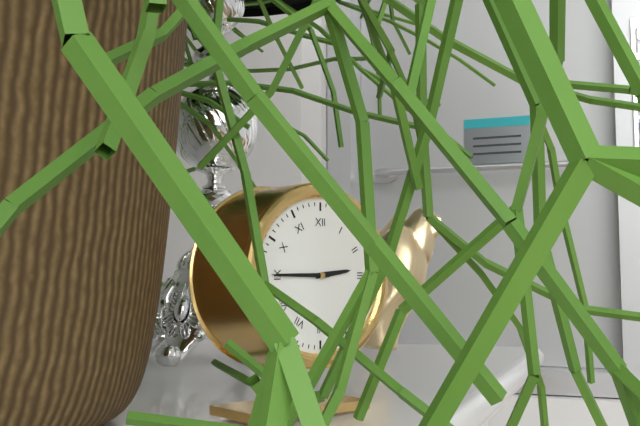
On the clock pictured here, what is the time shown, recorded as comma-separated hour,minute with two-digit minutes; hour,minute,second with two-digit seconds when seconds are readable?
2,45
